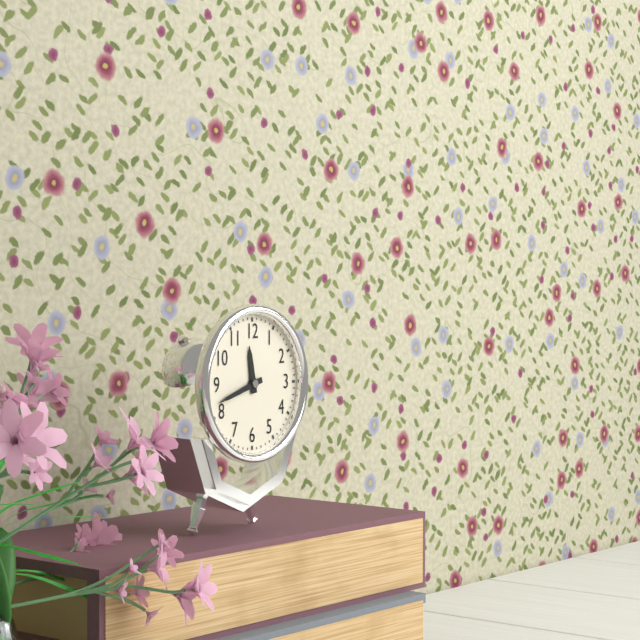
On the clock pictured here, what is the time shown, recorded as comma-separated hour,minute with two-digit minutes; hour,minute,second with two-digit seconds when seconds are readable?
11,42
